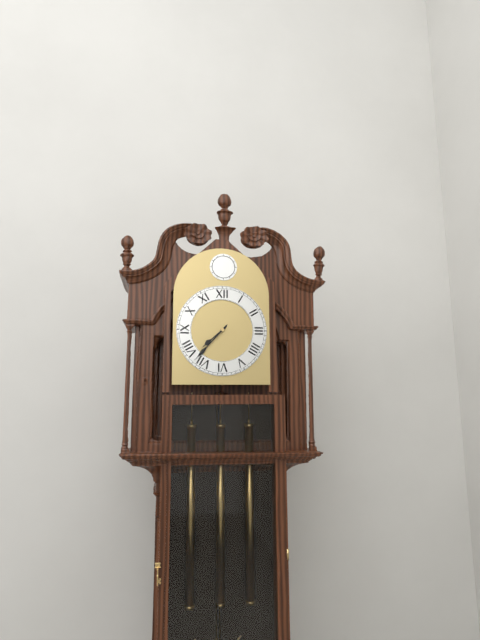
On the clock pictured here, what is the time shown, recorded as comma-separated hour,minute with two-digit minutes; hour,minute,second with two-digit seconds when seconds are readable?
7,37
